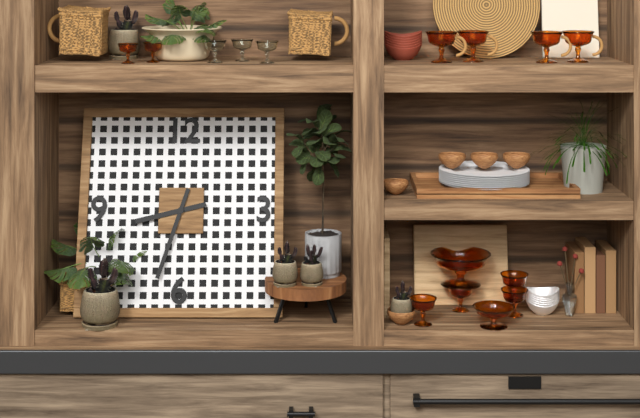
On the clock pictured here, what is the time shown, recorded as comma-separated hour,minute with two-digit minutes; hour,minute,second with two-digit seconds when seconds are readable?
8,33
